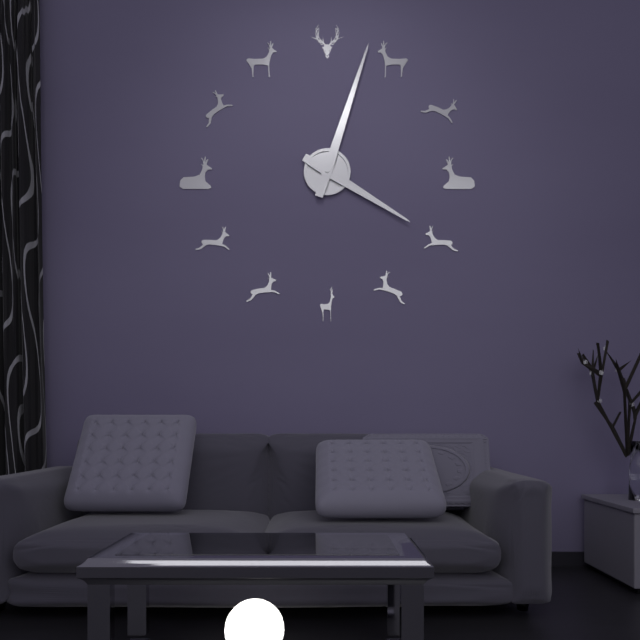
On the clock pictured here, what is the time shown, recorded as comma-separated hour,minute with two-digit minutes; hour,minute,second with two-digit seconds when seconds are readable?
4,03
